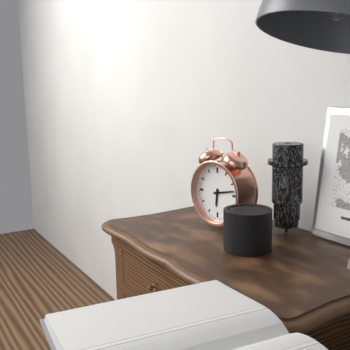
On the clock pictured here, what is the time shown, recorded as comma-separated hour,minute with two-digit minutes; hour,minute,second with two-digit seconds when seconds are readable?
6,13
